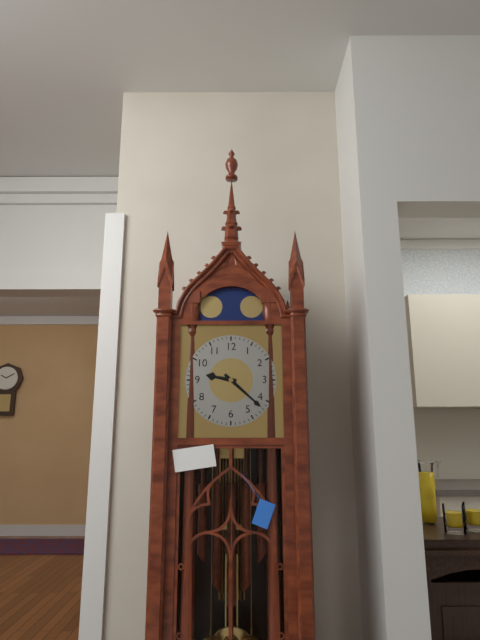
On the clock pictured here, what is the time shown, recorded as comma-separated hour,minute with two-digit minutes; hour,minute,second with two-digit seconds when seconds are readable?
9,22
